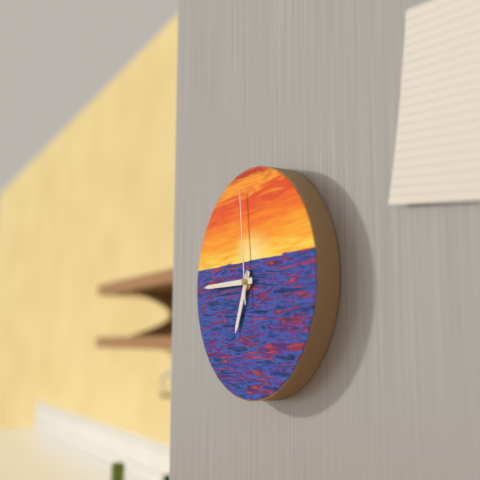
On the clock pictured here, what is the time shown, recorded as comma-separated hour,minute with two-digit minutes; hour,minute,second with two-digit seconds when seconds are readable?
6,45,59
